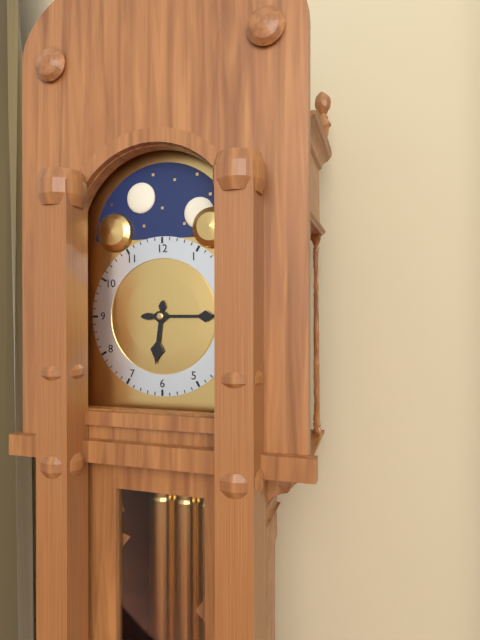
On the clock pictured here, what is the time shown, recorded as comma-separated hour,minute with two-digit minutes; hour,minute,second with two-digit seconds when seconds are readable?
6,15
